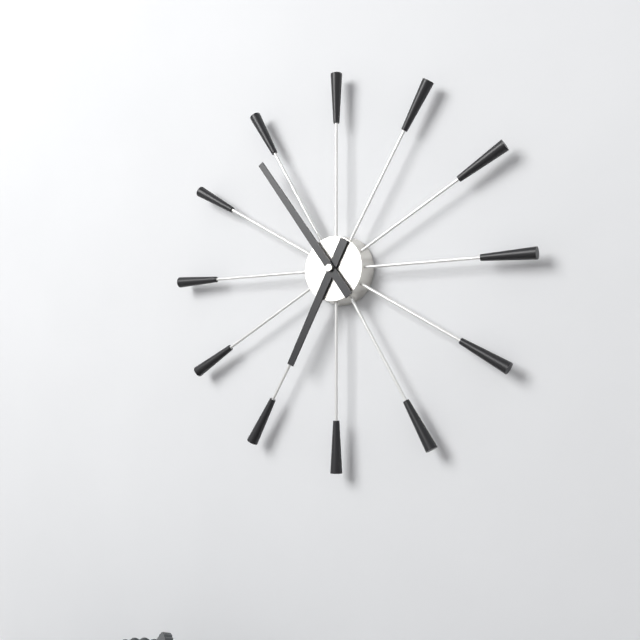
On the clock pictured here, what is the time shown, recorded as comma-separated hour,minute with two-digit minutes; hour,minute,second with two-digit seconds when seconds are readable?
6,54
